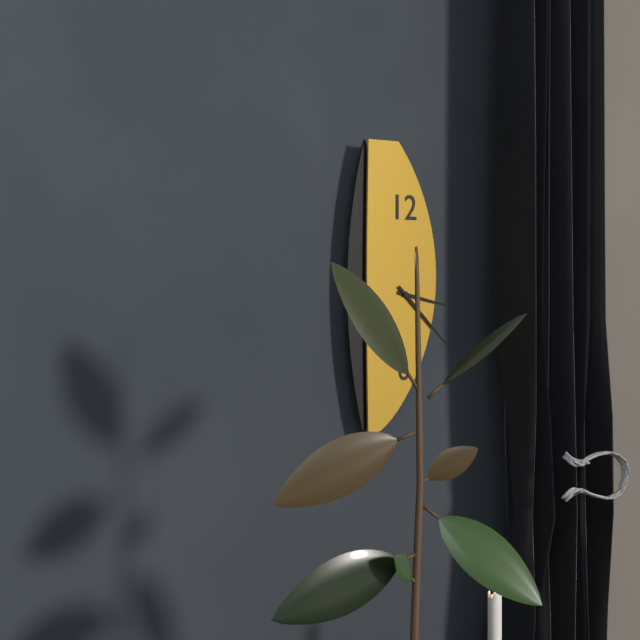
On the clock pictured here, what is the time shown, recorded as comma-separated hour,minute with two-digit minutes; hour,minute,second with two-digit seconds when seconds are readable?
3,22
